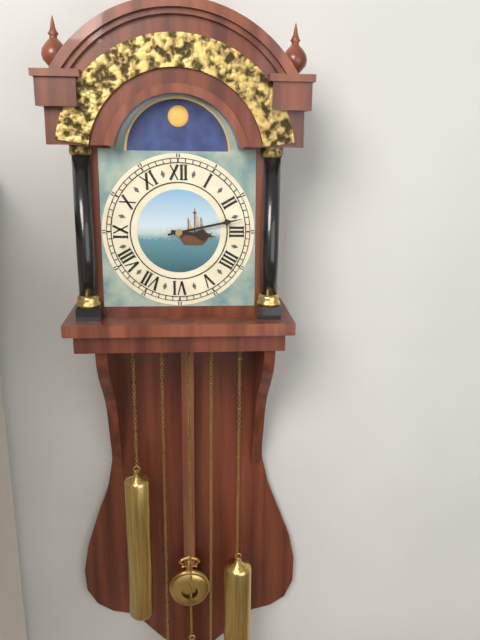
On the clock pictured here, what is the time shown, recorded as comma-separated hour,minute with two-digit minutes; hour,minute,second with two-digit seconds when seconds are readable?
3,13
